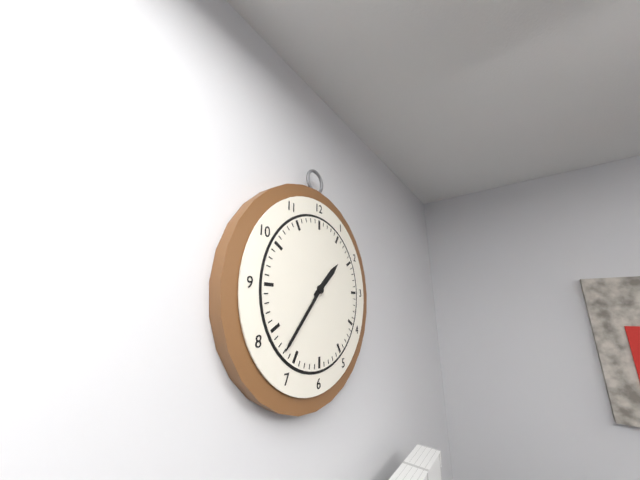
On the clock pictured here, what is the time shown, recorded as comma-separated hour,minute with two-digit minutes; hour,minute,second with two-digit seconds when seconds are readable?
1,37
